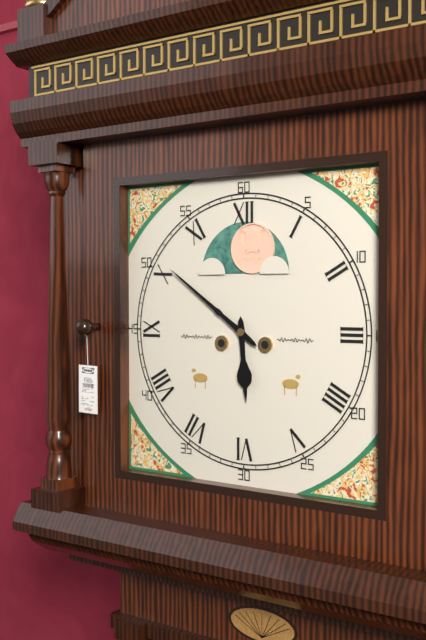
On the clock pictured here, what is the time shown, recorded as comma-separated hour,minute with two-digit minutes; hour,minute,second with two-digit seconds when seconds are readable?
5,51
